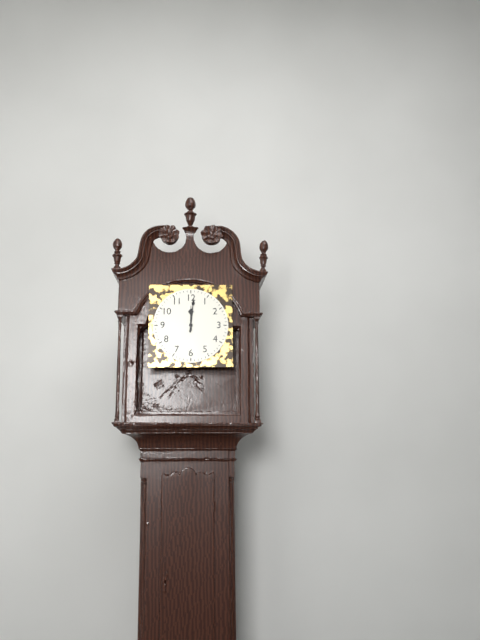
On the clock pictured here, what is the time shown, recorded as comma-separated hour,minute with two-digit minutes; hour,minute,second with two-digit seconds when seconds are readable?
12,01
